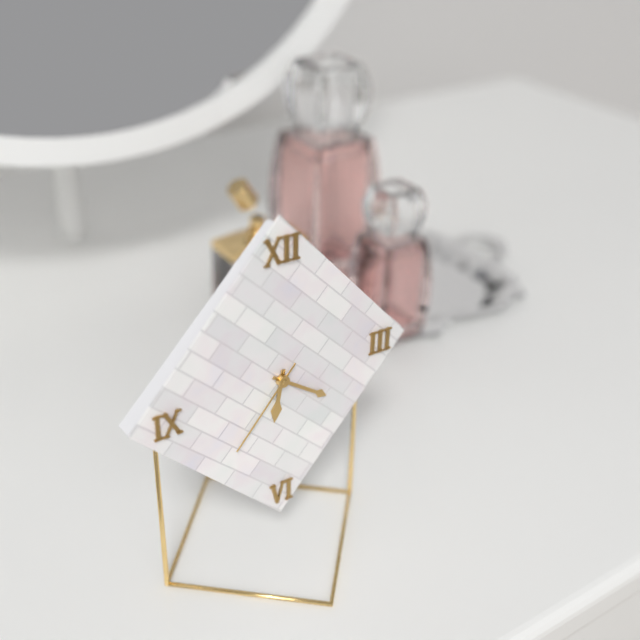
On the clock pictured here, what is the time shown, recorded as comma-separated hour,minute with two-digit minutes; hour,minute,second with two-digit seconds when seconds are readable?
6,21,37
